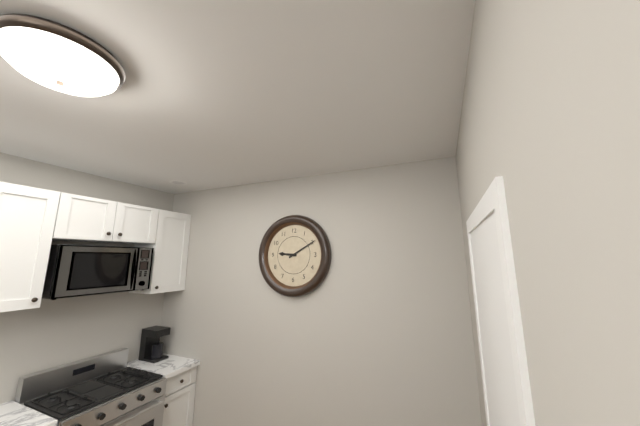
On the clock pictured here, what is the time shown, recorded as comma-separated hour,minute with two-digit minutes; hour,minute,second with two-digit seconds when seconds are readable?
9,10
